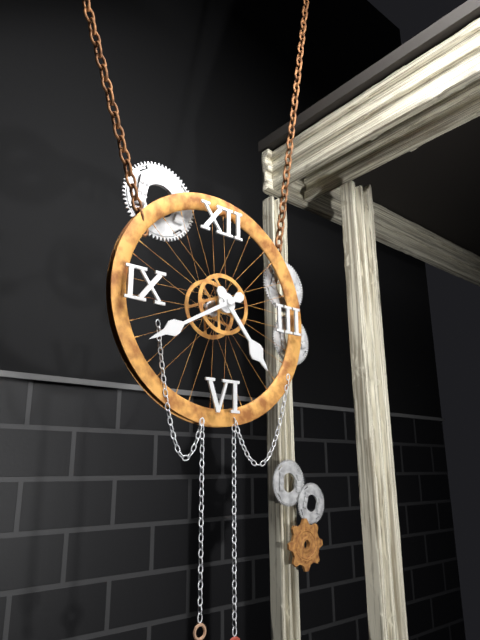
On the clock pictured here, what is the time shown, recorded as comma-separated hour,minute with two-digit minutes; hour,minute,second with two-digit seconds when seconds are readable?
4,40
